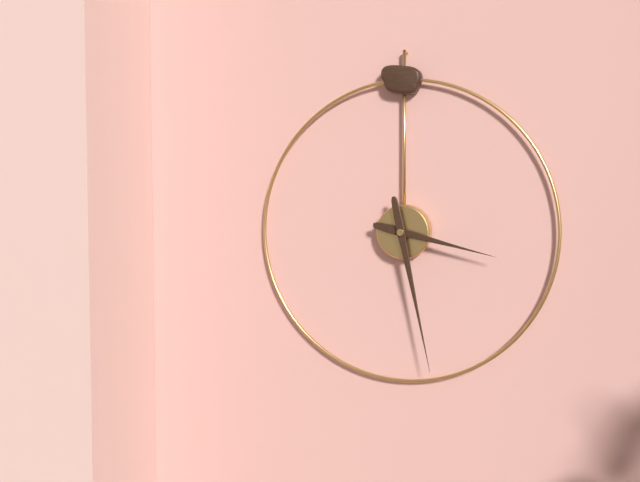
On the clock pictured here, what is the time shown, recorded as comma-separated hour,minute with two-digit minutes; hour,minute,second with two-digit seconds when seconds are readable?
3,28
